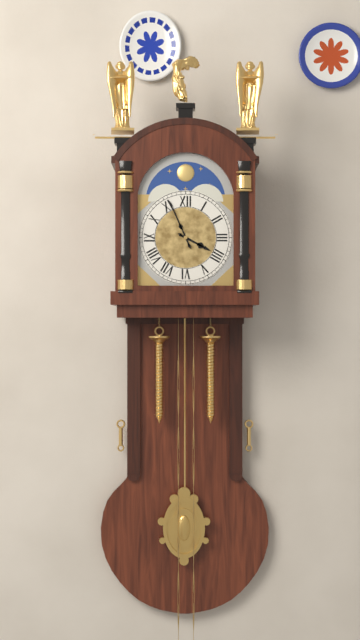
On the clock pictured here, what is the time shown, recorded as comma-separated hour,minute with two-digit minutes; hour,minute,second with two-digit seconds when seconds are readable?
3,56
